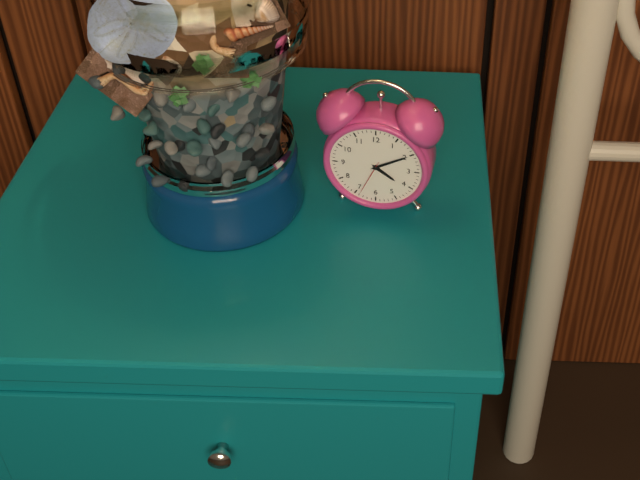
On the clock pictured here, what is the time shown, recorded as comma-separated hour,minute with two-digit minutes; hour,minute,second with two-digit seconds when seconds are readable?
4,10
